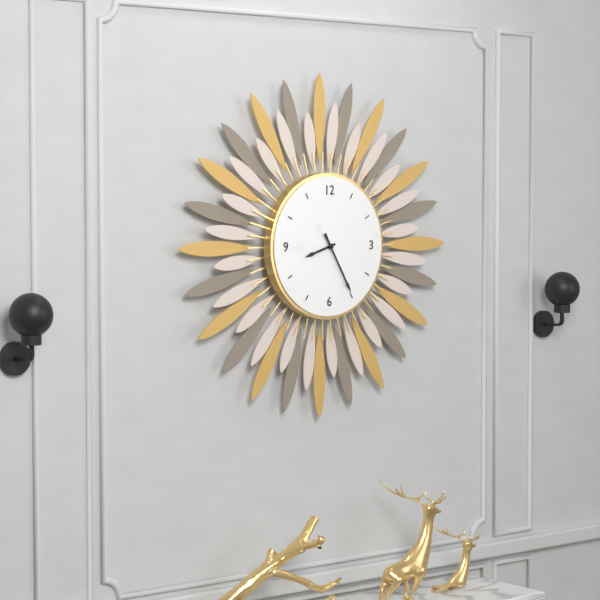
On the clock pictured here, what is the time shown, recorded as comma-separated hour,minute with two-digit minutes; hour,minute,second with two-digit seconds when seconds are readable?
8,25
